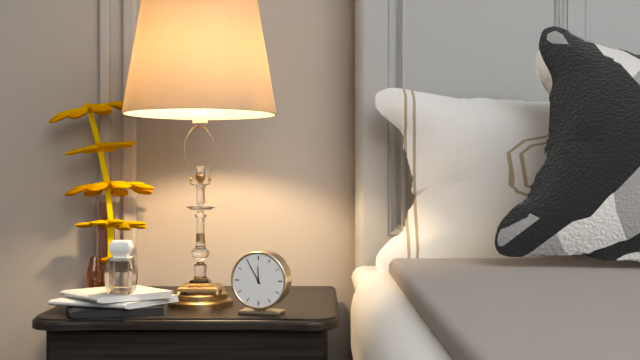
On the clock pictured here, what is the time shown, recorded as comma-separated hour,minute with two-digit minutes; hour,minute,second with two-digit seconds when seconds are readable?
11,55
